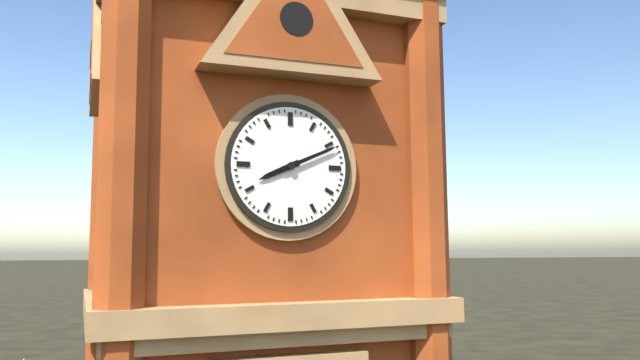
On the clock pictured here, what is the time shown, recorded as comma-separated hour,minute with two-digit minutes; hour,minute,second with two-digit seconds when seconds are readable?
8,11
